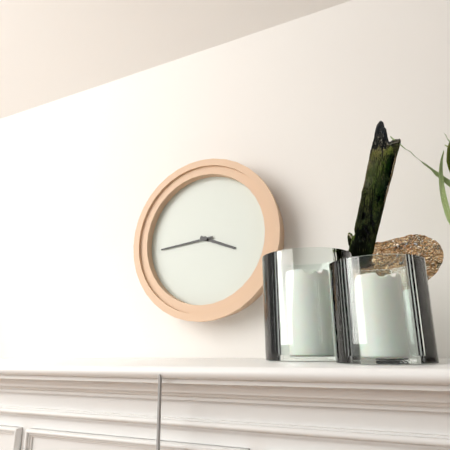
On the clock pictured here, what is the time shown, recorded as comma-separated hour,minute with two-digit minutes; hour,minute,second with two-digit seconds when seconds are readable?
3,44
